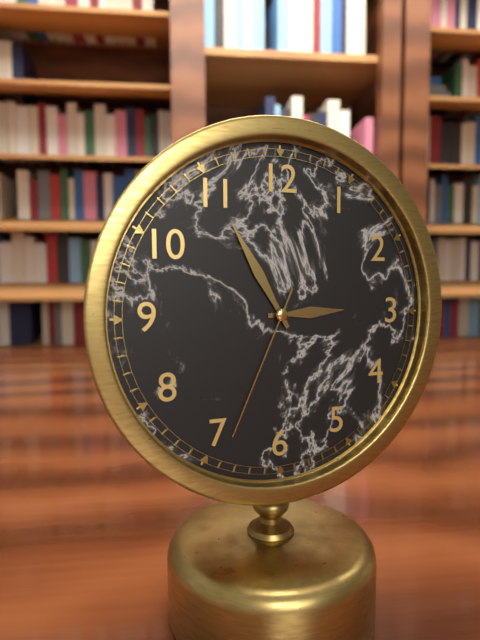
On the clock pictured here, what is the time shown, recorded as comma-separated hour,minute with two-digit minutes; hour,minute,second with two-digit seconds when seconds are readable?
2,55,34
